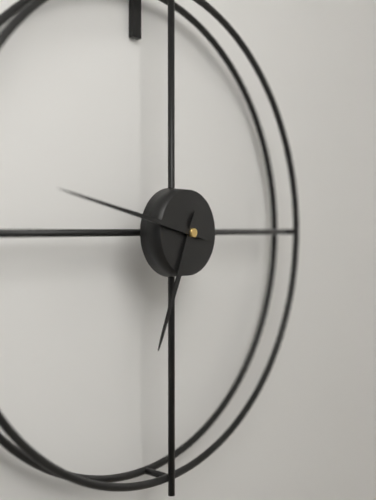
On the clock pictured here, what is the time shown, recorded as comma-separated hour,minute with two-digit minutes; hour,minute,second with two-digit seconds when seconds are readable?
6,47
